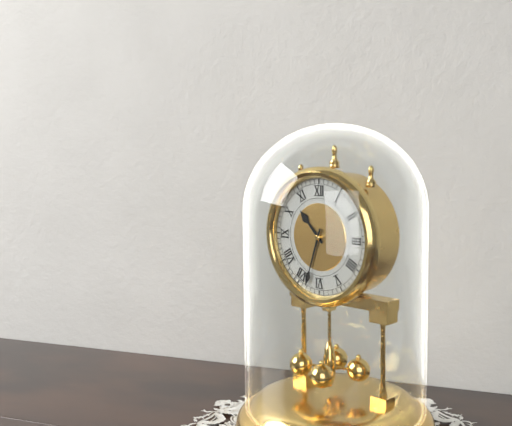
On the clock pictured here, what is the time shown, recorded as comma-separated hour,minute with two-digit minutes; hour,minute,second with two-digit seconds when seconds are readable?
10,33
